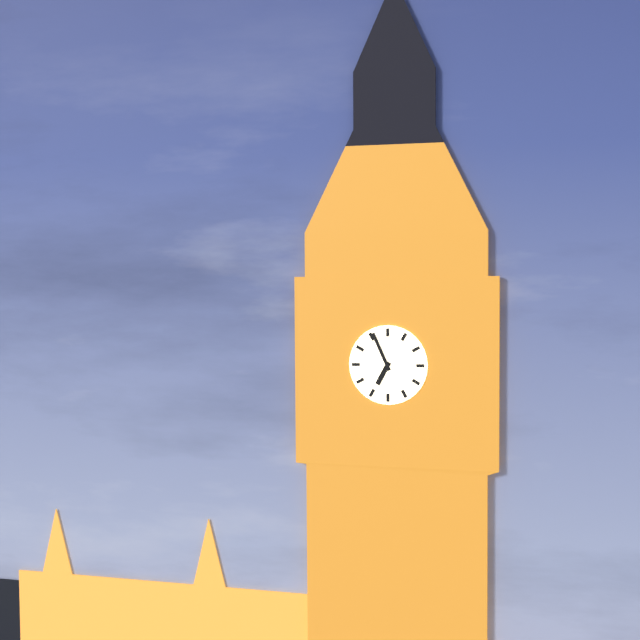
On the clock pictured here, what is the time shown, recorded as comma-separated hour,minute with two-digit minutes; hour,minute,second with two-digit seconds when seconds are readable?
6,56
